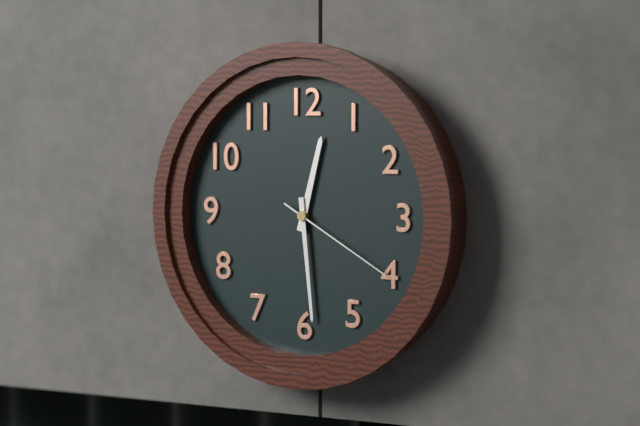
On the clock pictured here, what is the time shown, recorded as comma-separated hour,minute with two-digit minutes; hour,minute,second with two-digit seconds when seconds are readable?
12,29,20
